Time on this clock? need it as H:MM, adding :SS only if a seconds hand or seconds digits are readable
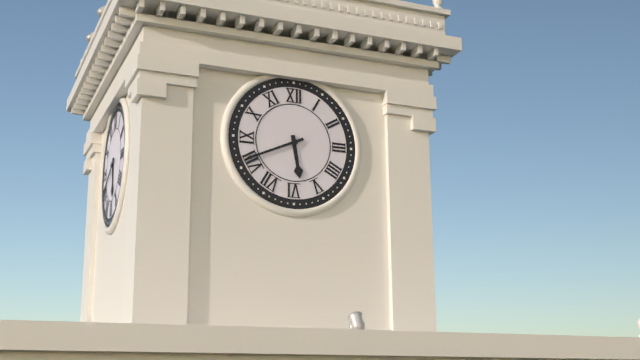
5:41
